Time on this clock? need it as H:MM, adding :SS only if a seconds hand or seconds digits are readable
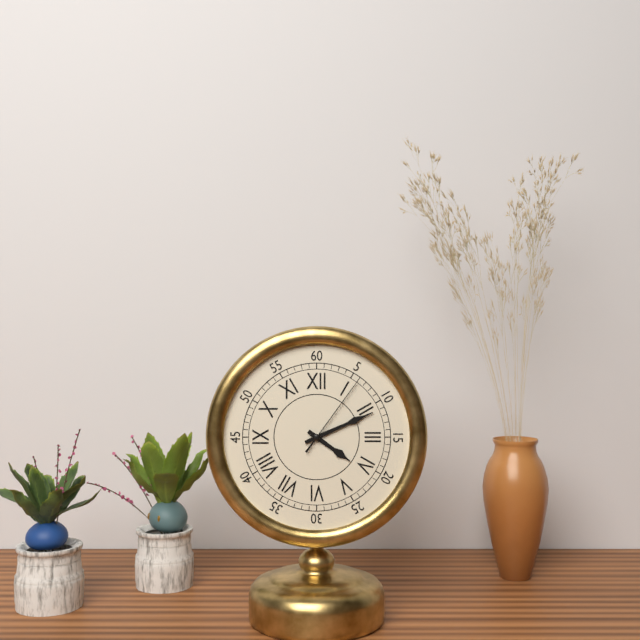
4:11:06
